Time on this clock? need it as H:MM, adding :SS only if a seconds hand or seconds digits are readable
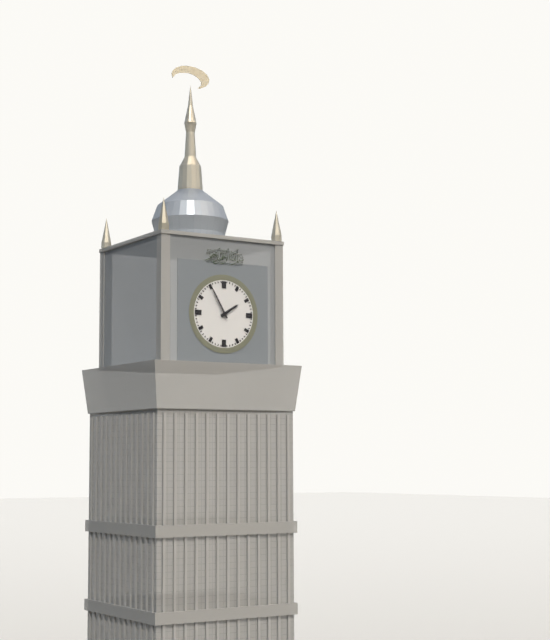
1:55
